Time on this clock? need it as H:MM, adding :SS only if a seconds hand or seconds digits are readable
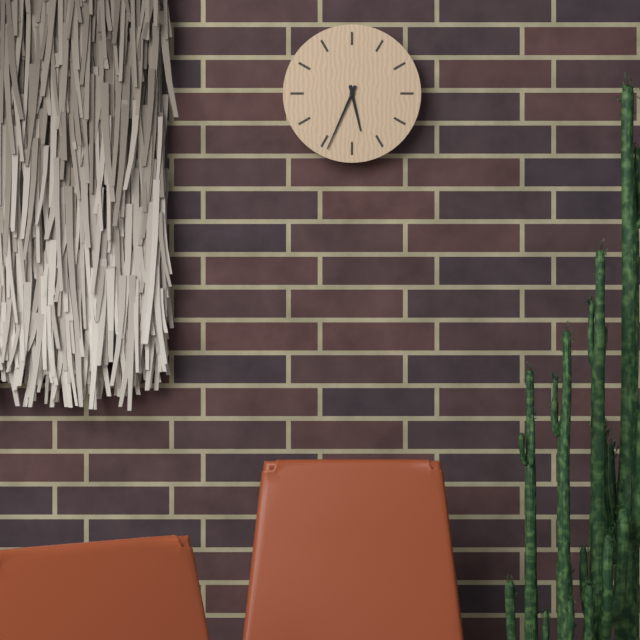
5:34
